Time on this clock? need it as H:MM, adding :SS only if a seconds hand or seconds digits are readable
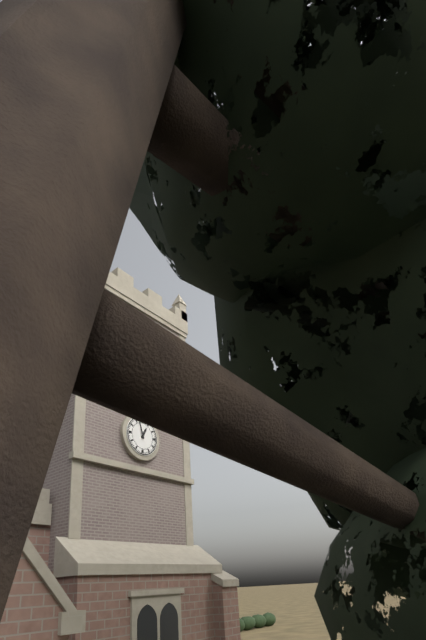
12:57
